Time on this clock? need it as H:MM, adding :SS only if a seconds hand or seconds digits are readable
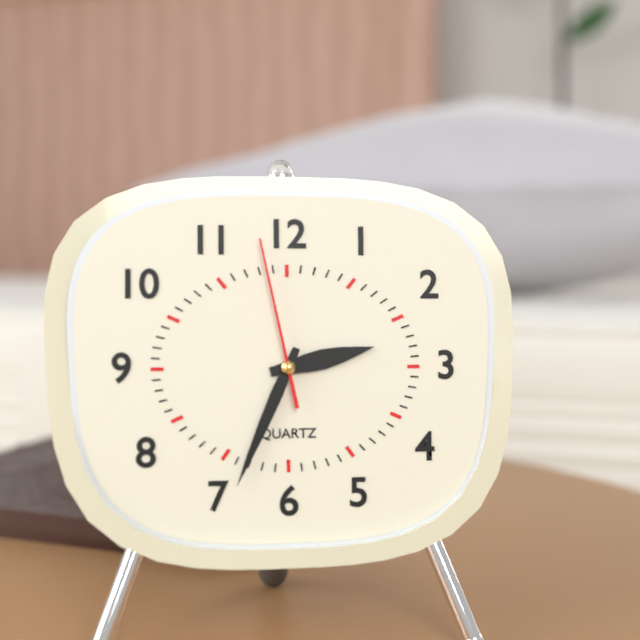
2:34:58
